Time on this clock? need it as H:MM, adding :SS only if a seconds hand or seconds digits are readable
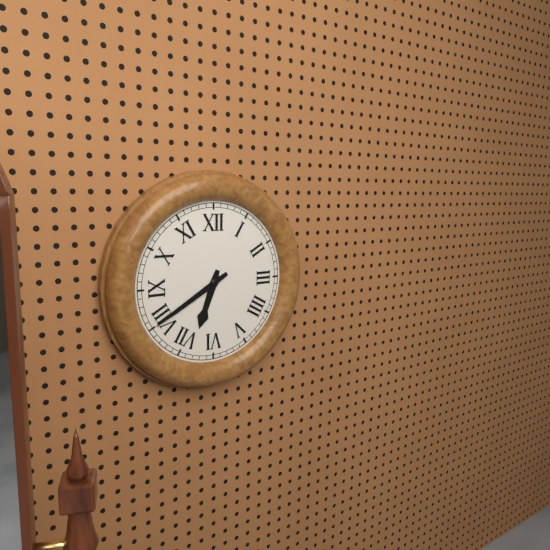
6:40
